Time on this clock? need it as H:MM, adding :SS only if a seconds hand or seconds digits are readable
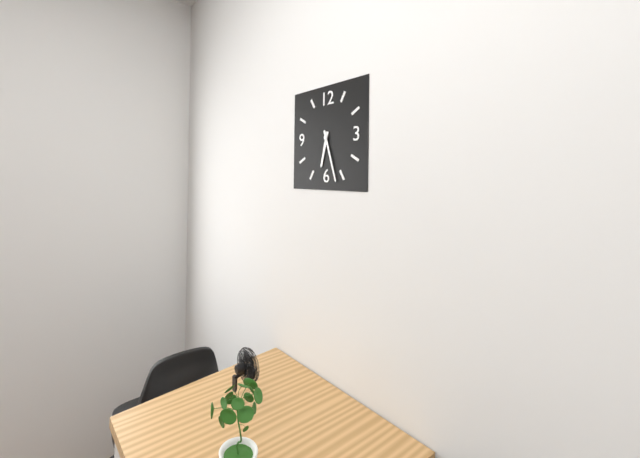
6:27
